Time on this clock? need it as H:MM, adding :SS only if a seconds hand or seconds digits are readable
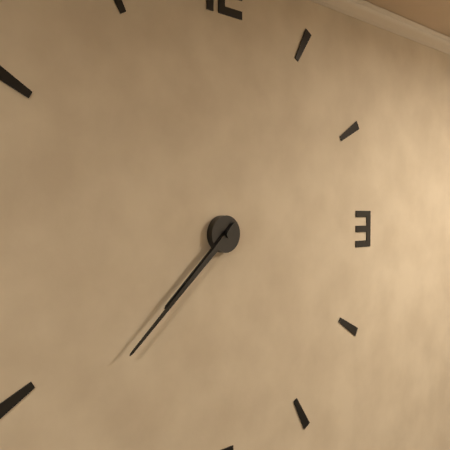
7:38
